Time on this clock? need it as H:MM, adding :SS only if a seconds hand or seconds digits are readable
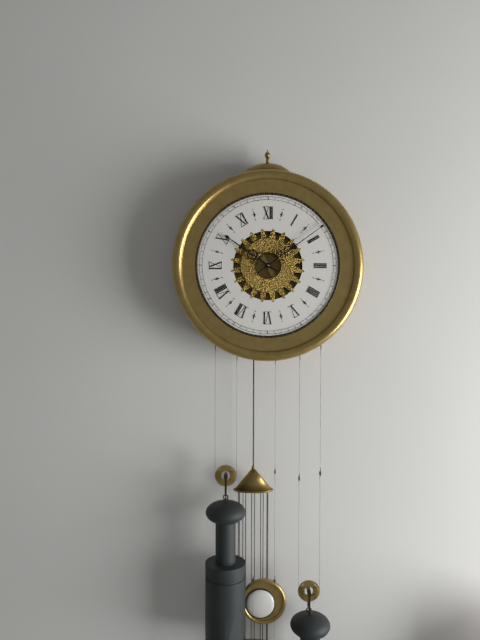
10:09
